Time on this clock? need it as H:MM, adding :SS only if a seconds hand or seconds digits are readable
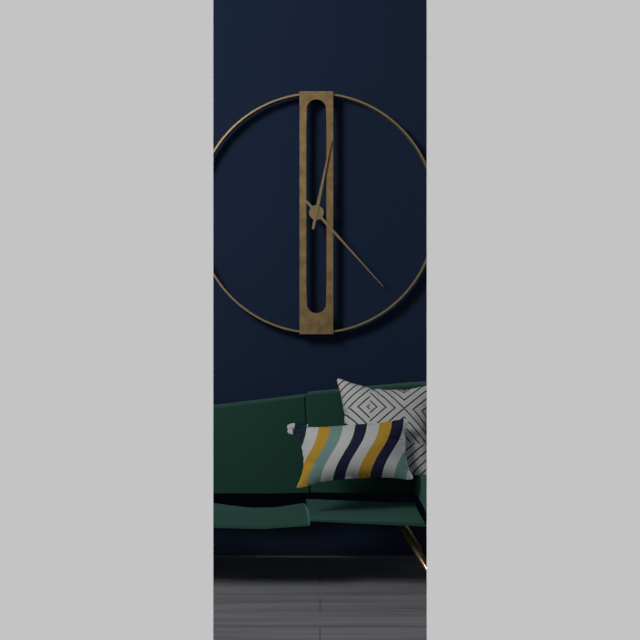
12:23
